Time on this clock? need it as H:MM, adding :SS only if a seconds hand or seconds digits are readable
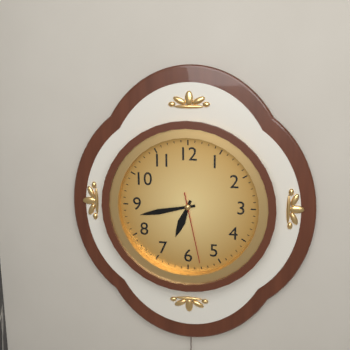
6:43:28
